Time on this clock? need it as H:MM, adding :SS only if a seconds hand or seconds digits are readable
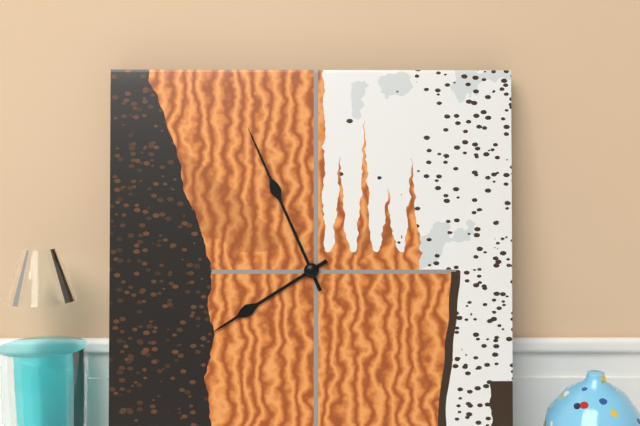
7:56
